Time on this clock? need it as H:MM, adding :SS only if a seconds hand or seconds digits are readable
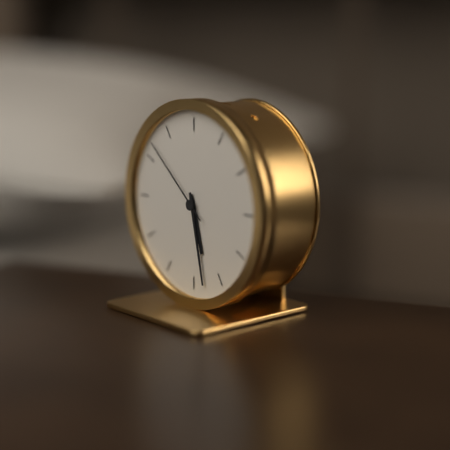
5:28:52
